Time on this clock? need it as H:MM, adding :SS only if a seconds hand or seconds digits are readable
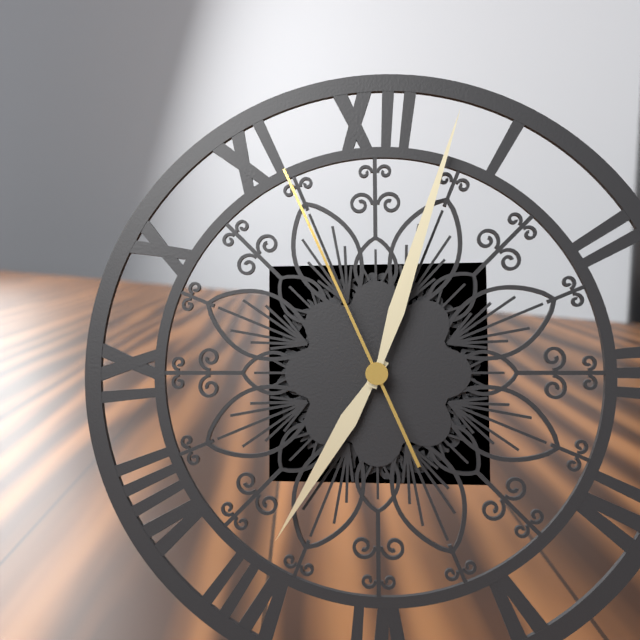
7:03:56
